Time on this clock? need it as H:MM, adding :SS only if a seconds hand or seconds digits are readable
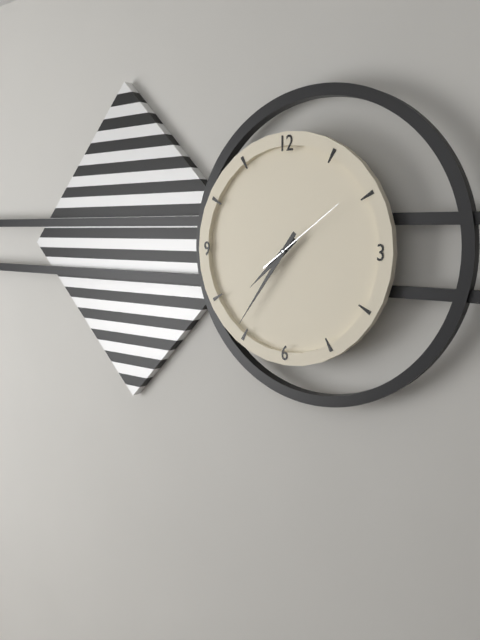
7:36:09
